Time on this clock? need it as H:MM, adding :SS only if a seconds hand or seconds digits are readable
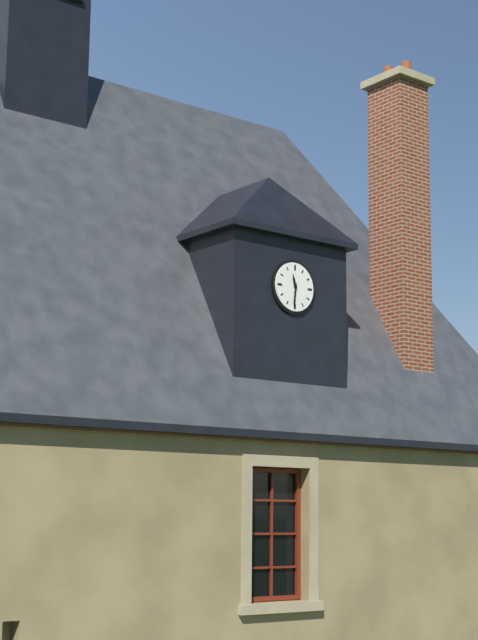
11:31
